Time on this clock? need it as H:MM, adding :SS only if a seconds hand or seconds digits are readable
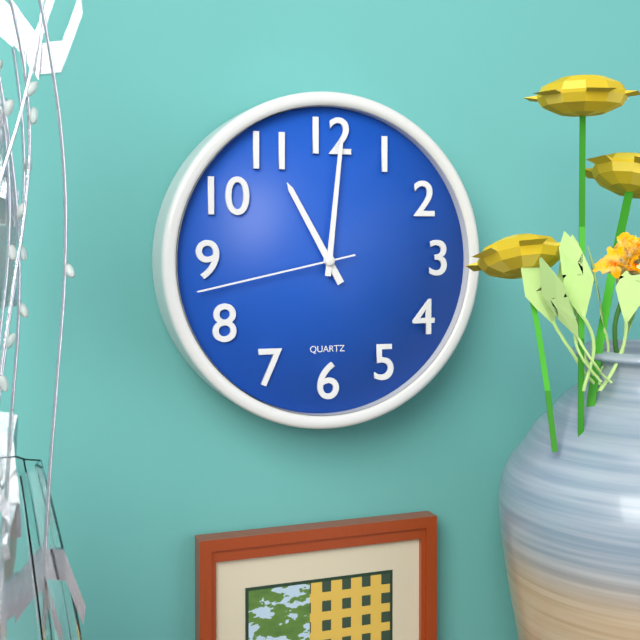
11:01:43
